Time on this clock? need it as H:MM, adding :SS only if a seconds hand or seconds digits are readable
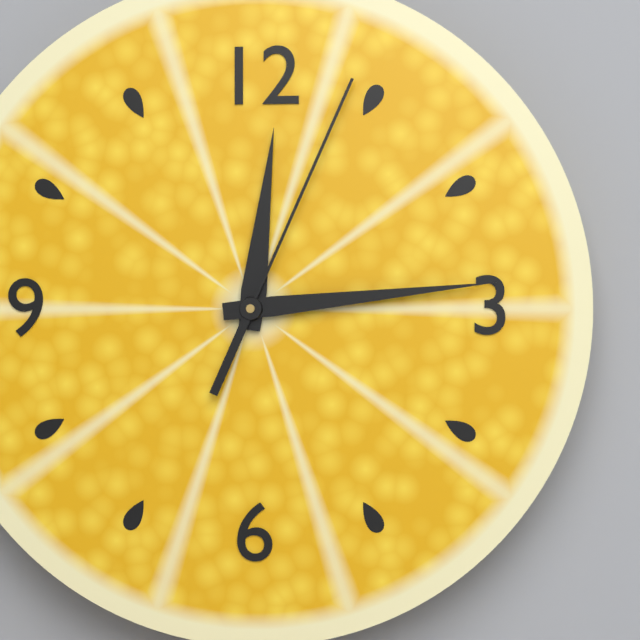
12:14:04
